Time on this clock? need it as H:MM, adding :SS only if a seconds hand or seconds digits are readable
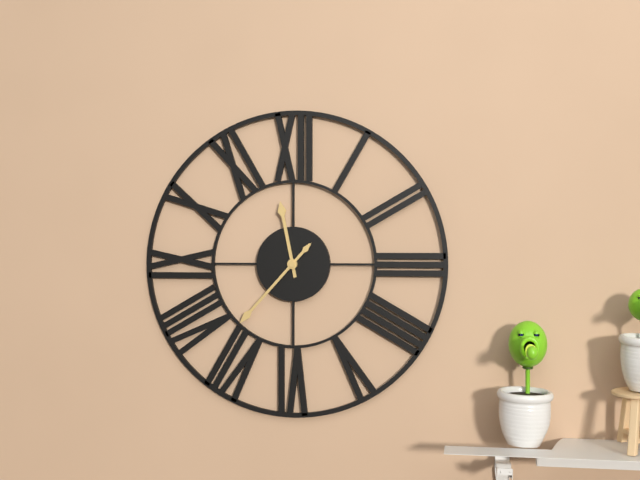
11:37
